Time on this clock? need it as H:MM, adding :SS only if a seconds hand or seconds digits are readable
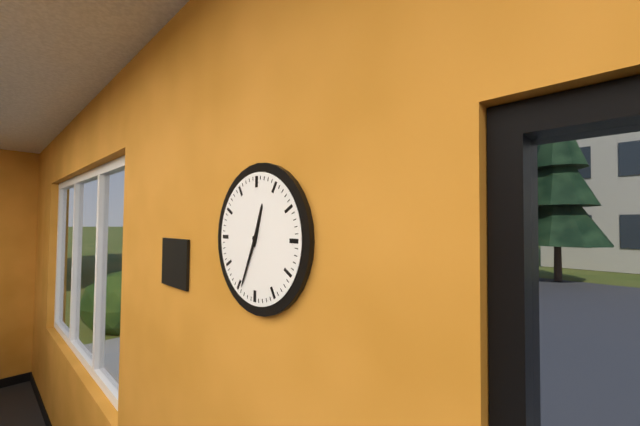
12:34
